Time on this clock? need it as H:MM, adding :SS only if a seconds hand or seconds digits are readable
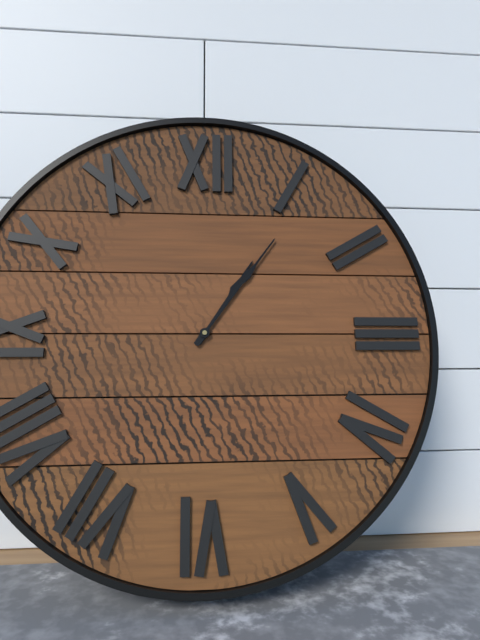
1:06
